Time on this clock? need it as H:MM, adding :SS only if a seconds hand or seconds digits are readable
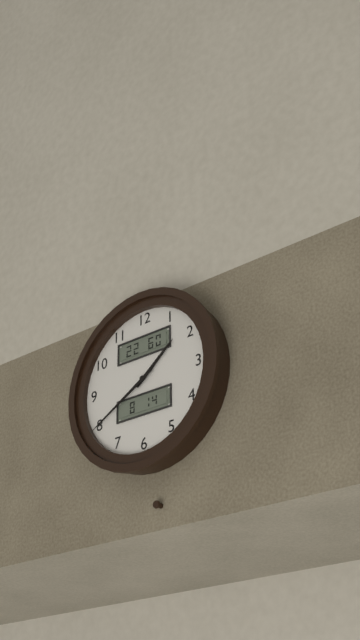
1:40
